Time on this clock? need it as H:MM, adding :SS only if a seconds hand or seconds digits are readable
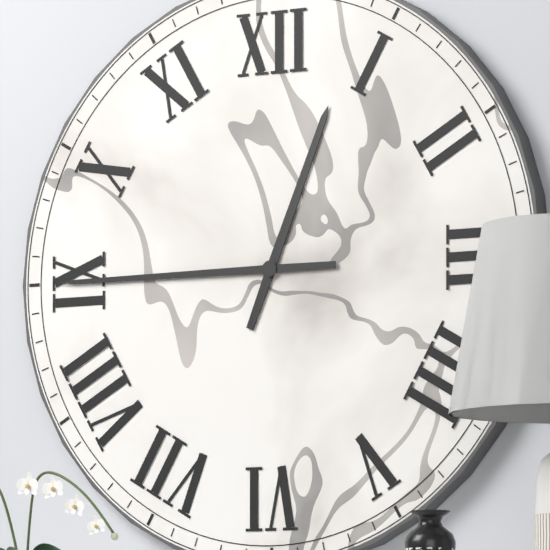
12:45
